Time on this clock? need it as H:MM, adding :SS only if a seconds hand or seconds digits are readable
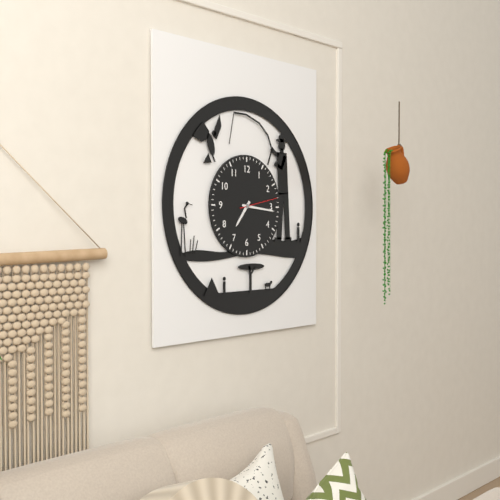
7:16
